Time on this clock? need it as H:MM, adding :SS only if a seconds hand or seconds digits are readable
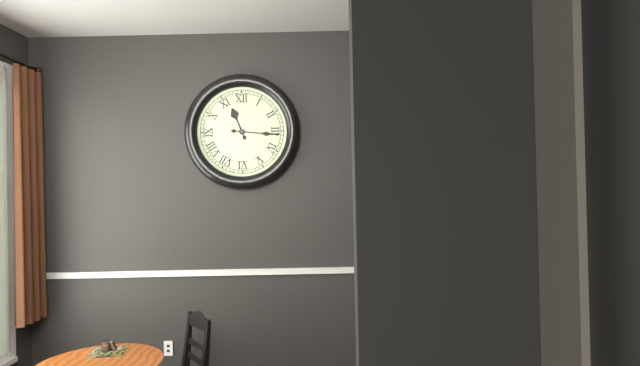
11:16
